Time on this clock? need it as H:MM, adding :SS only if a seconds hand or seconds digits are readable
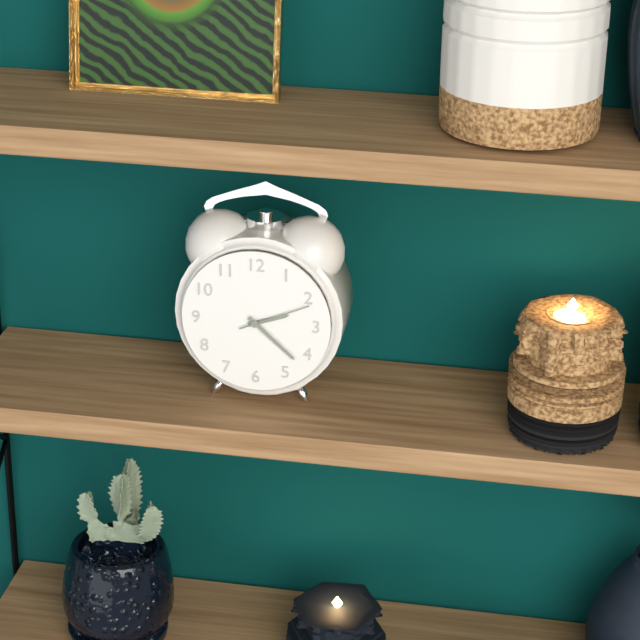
2:22:11
